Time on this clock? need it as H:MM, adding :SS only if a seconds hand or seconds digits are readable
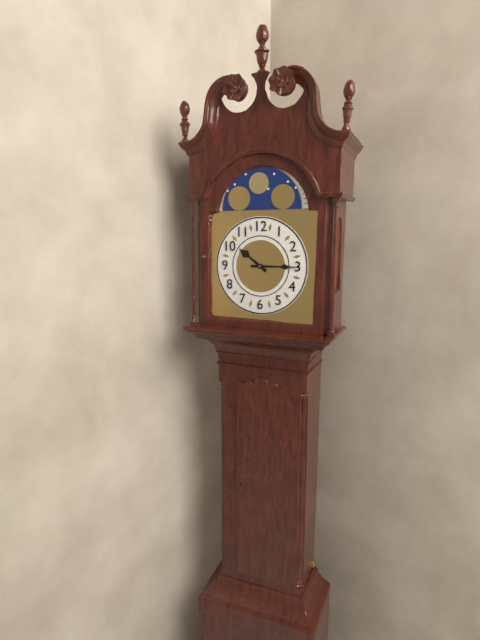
10:15
